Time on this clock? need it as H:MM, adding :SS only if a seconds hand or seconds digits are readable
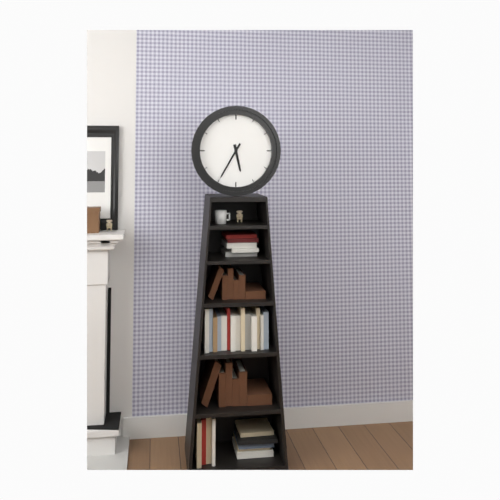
5:35
